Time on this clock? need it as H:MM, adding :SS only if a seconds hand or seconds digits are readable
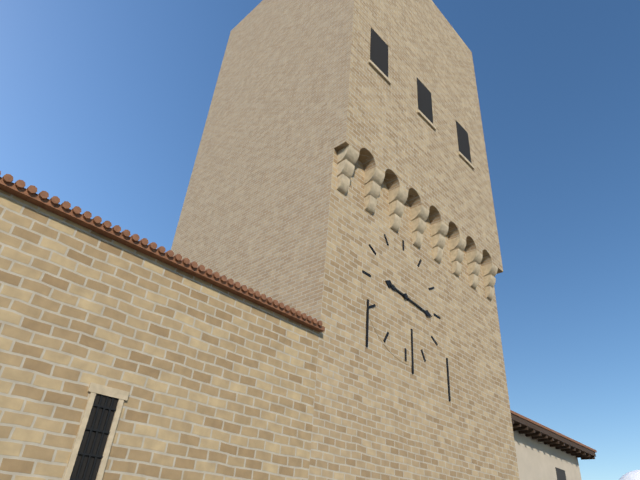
9:16
